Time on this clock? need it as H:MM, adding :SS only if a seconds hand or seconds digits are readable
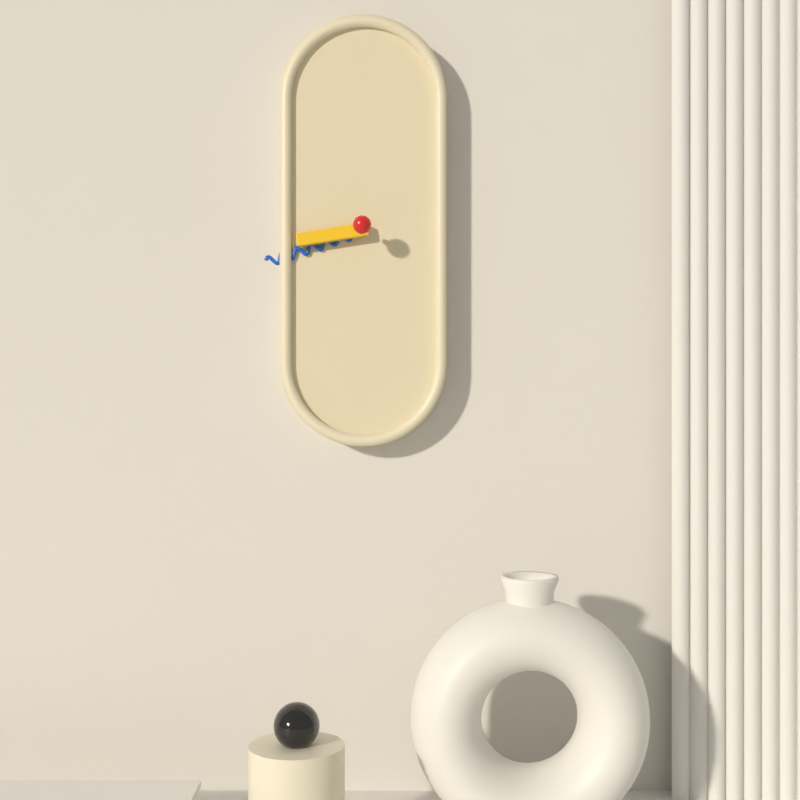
8:42
